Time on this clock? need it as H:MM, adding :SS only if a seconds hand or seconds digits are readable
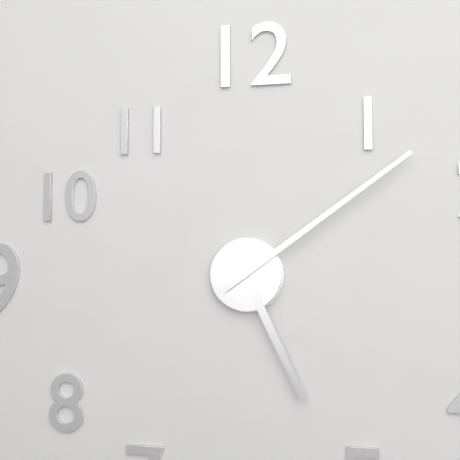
5:09
